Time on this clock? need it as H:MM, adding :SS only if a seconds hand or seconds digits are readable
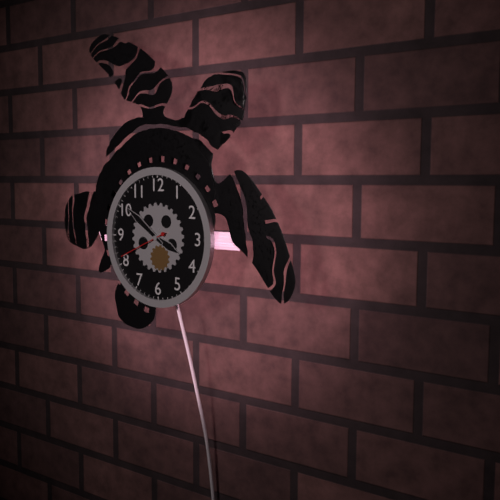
3:51:41
